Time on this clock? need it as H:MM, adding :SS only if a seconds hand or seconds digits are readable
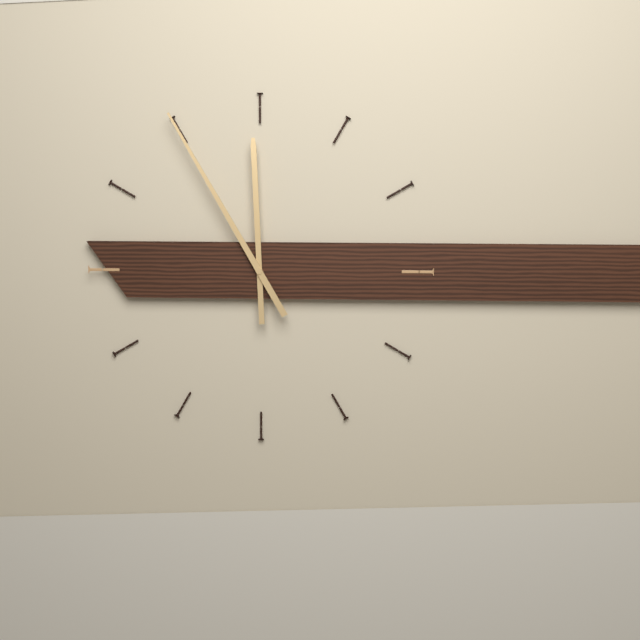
11:55
